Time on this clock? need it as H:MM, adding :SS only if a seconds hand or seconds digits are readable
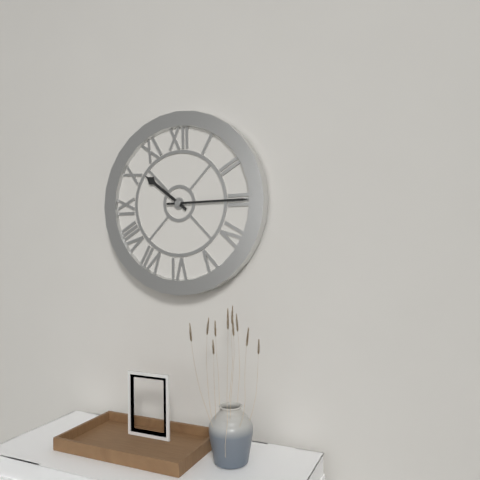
10:15
